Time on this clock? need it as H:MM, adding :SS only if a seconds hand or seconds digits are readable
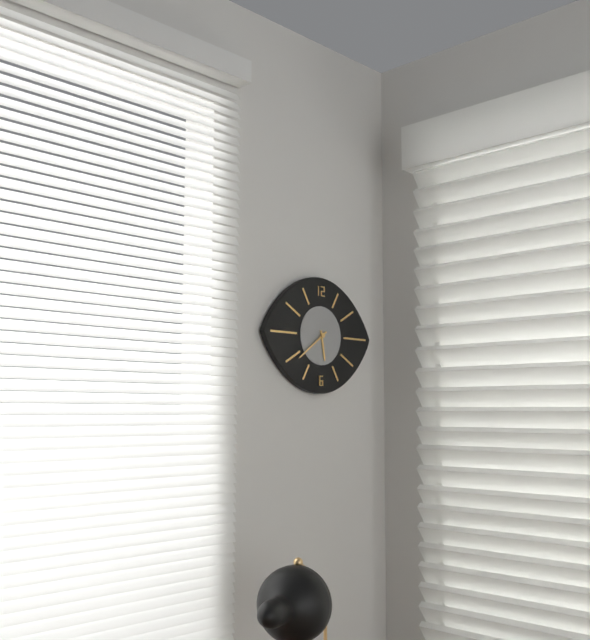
5:39
